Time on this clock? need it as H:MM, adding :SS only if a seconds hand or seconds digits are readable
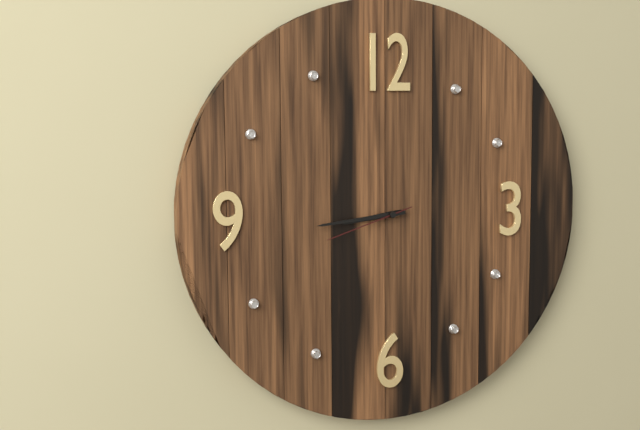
8:44:42
